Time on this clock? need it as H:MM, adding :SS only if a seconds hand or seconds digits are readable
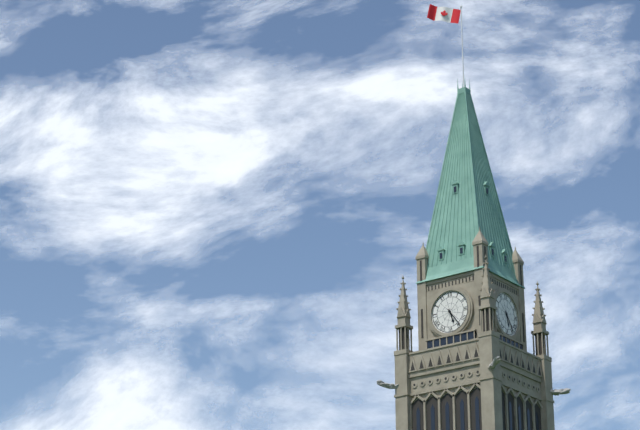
5:24
